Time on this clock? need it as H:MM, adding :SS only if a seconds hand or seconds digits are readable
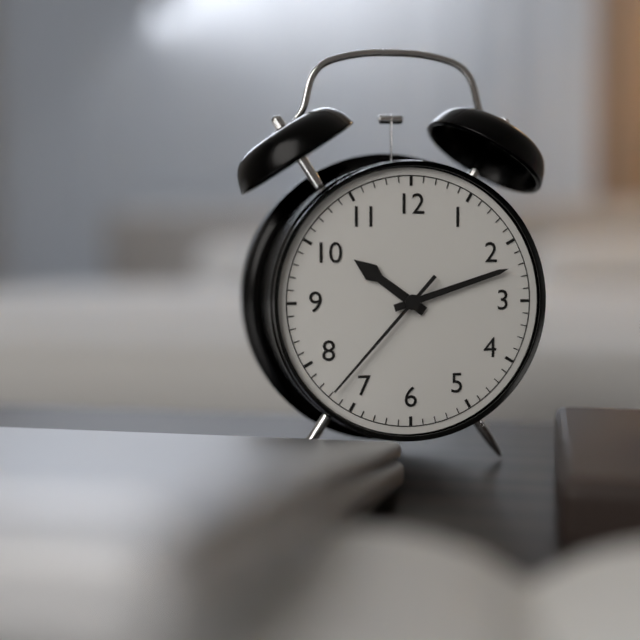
10:12:37
